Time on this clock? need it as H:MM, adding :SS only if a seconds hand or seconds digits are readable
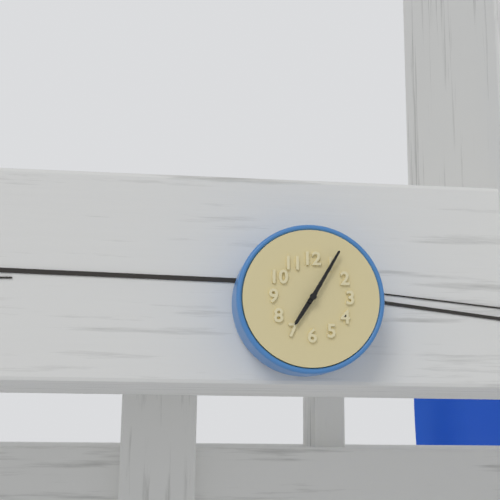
7:05
